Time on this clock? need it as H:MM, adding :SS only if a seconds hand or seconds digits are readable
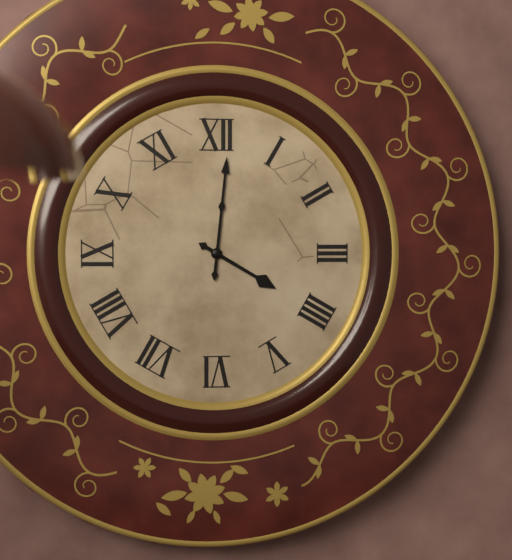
4:01
